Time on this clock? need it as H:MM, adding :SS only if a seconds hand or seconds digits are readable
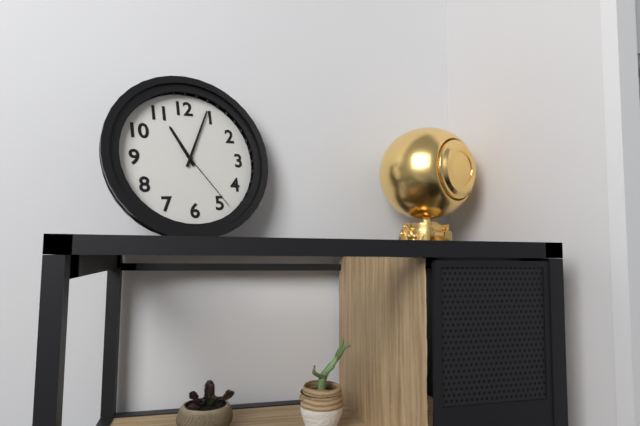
11:04:24
